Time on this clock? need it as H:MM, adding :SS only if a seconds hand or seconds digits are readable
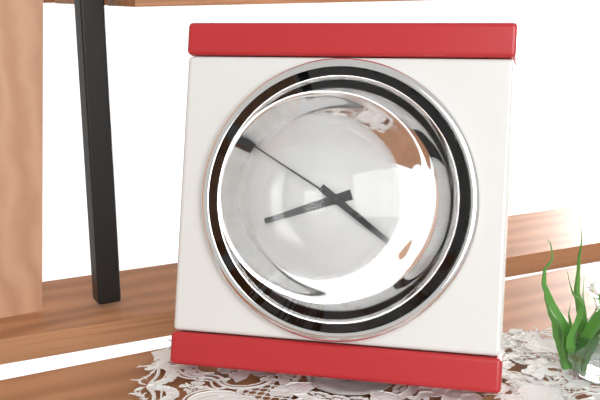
8:21:50
